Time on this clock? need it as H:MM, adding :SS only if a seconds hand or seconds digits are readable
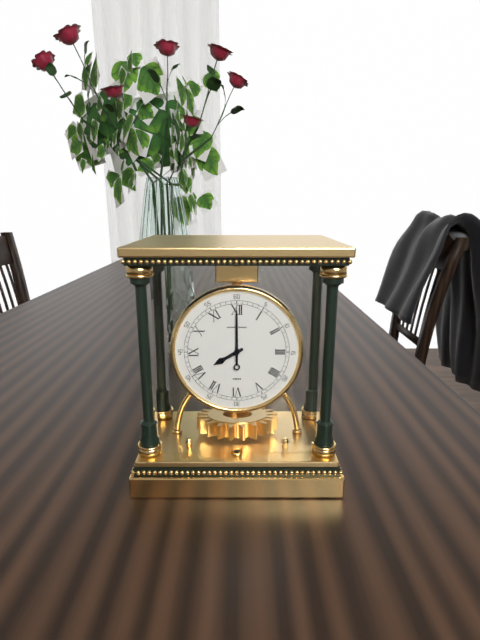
8:00
